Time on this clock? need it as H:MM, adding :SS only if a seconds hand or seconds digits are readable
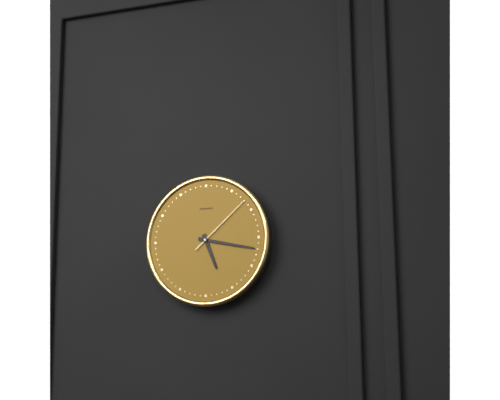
5:17:08
